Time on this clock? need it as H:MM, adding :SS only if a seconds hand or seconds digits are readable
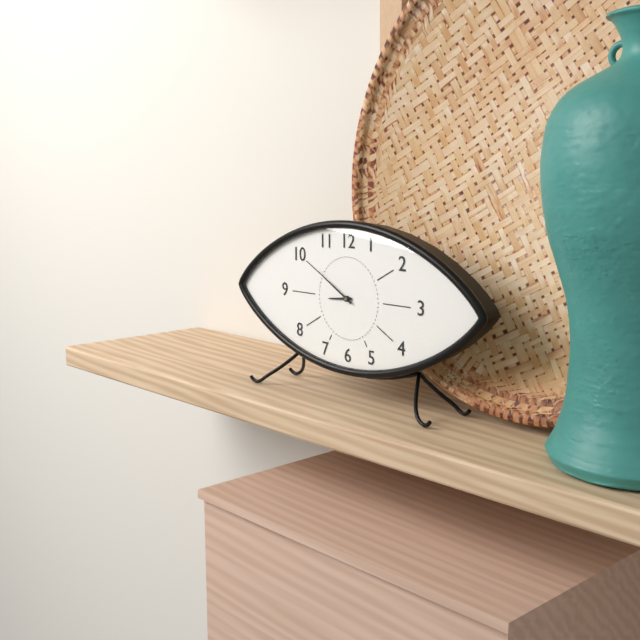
8:50
